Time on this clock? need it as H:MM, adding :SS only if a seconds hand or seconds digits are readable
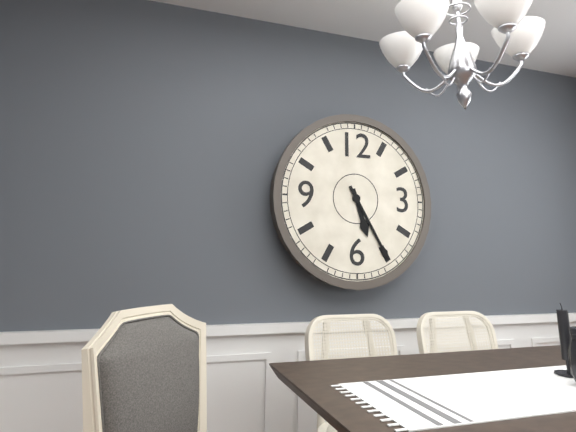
5:25
